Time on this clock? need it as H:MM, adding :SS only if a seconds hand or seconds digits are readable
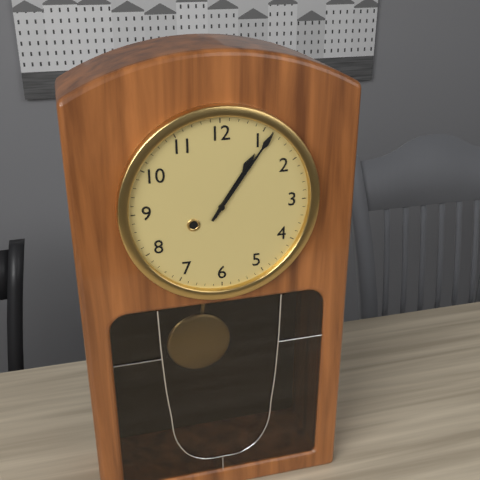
1:06
